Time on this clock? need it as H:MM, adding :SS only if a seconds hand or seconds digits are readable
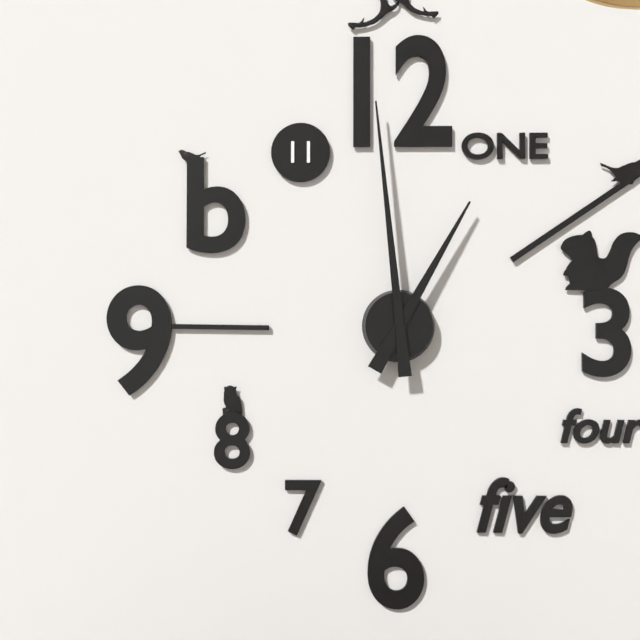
12:59
